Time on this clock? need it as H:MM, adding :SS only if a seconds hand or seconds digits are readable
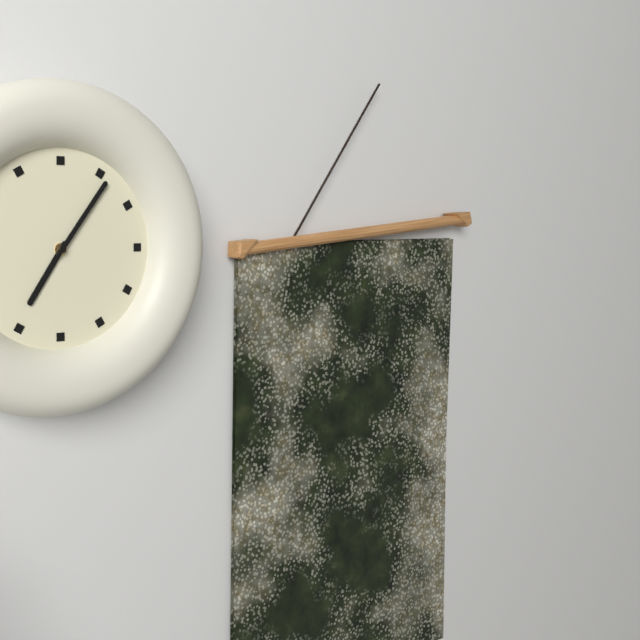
7:06
